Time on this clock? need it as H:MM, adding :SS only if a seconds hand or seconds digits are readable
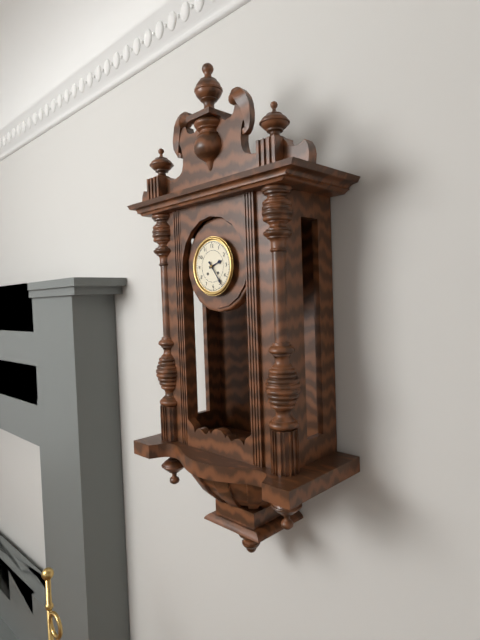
2:24
